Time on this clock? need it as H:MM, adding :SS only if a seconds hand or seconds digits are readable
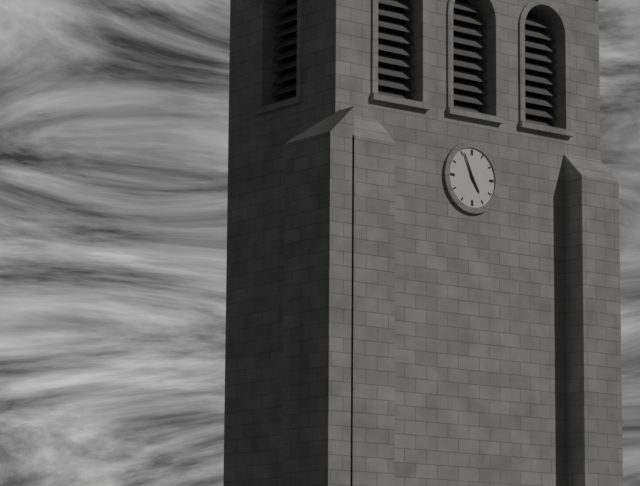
4:56
